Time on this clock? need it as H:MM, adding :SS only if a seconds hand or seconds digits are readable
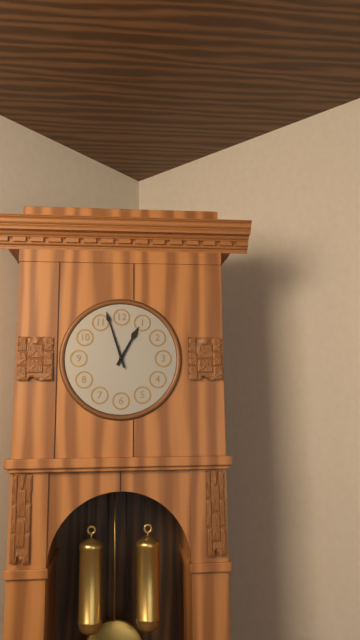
12:57
